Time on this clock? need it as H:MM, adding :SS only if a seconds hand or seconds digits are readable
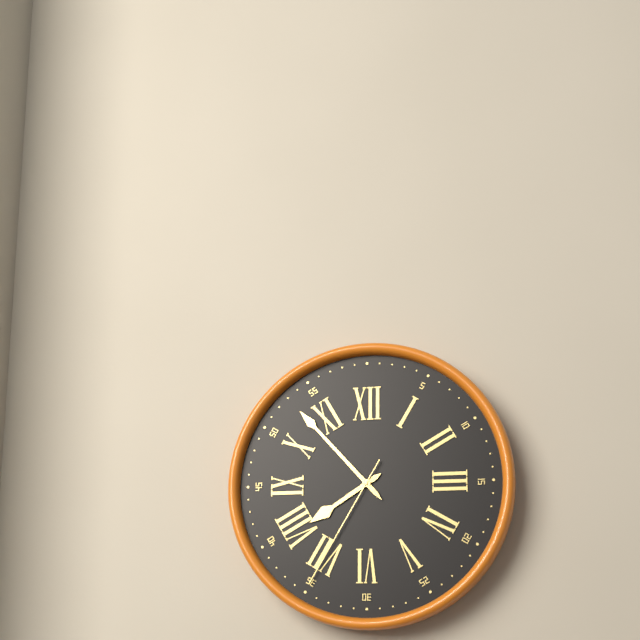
7:53:35
